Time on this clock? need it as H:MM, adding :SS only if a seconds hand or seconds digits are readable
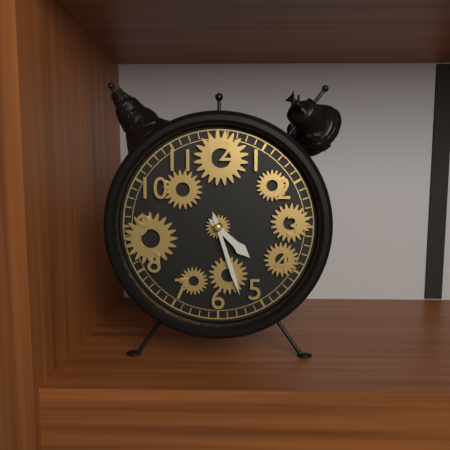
4:27
